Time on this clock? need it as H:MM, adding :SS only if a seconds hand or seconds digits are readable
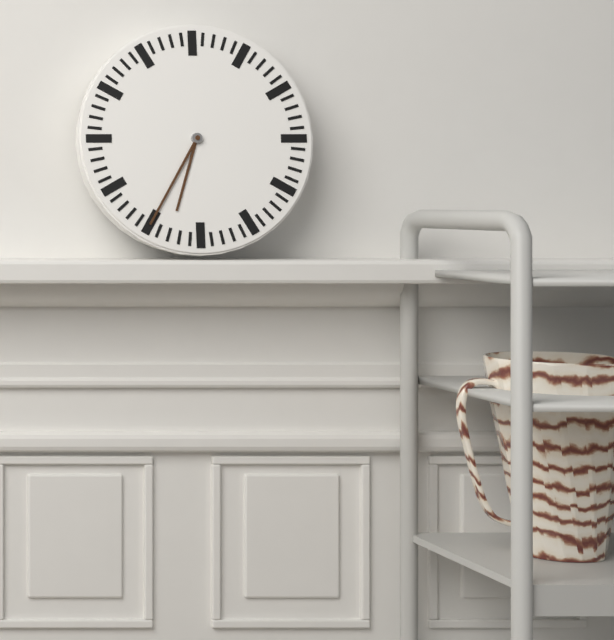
6:35
